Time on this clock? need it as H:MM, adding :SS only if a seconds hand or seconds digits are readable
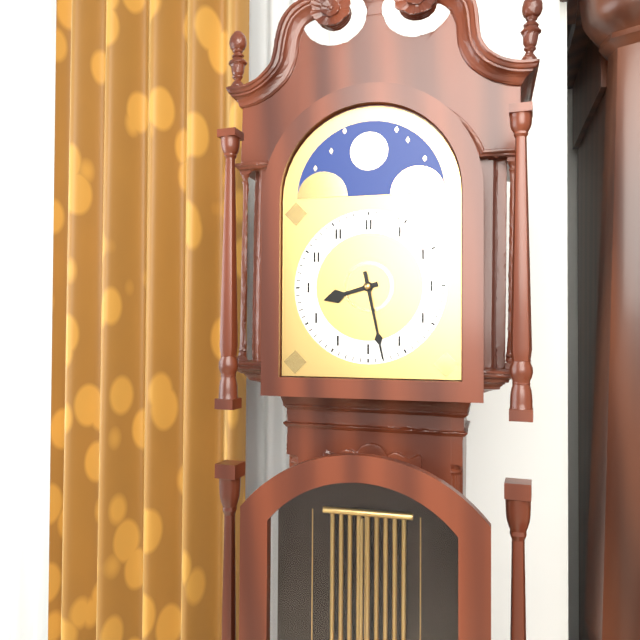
8:28
